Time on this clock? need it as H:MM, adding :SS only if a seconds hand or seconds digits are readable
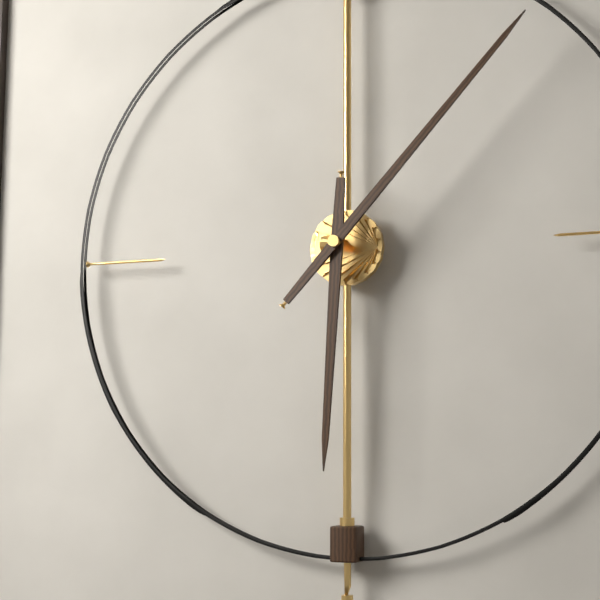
6:07
